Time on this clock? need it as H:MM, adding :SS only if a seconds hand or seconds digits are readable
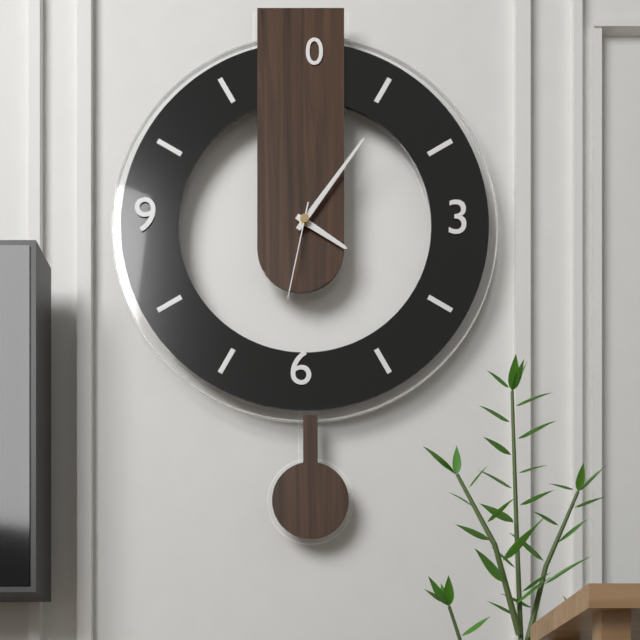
4:06:32
